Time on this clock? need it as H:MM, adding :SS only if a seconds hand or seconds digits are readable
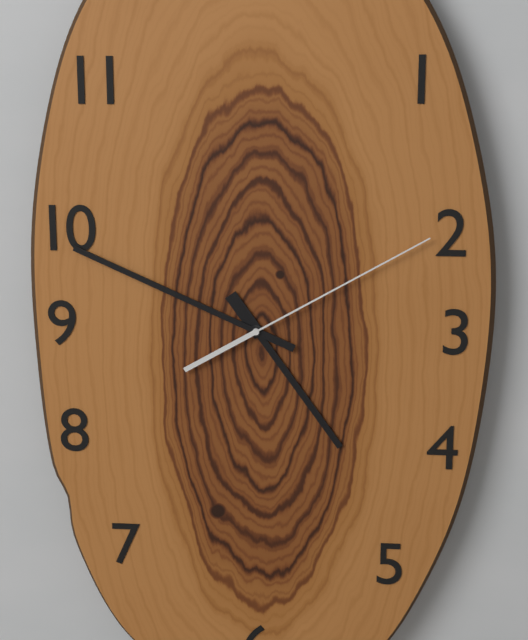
4:49:10
